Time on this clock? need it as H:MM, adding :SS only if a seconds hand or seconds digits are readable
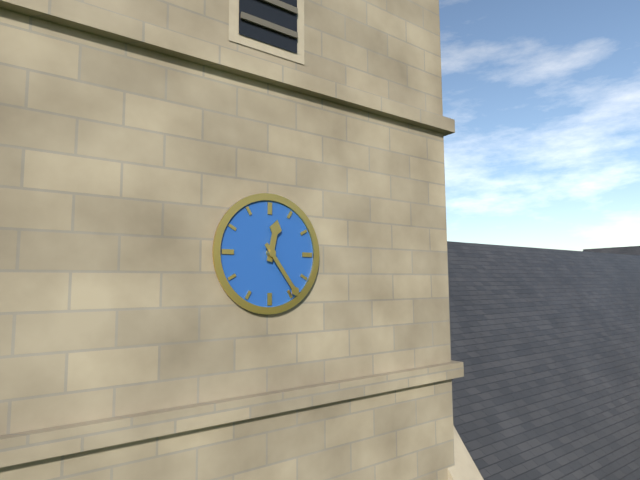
12:24
